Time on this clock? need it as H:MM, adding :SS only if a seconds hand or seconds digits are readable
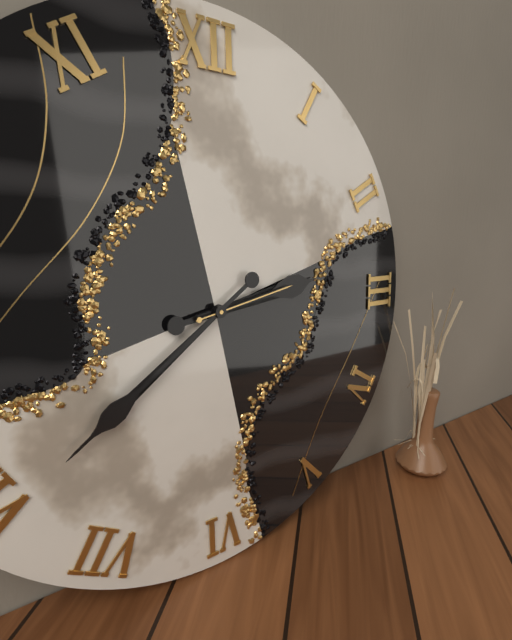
2:39:13
